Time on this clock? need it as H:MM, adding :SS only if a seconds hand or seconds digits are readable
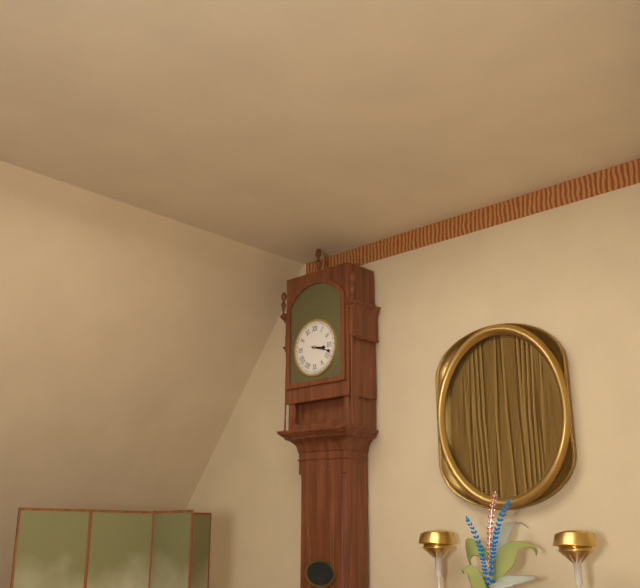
3:18
